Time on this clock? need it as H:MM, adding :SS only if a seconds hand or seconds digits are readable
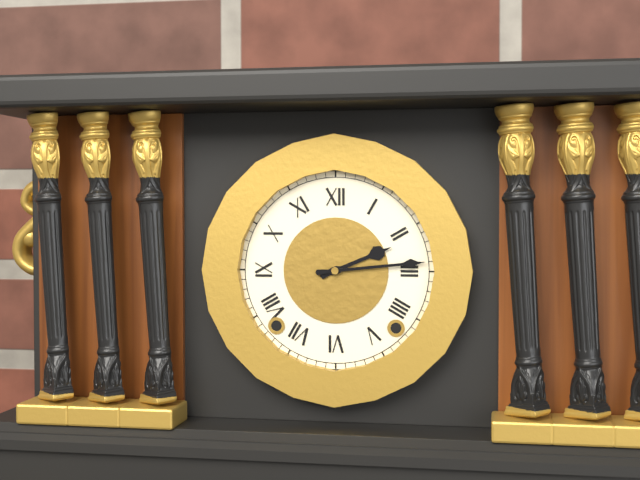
2:14
